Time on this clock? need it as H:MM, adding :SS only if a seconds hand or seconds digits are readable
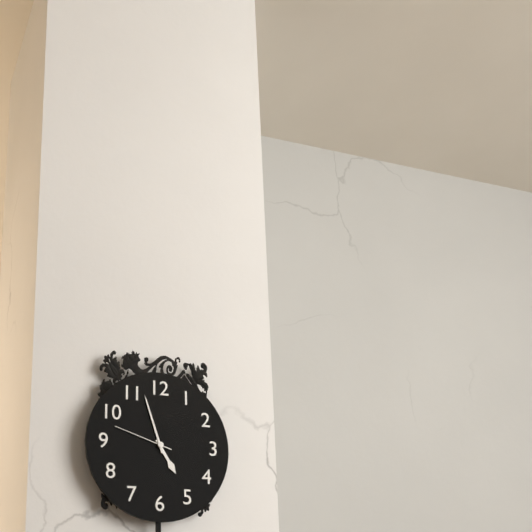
4:57:48
